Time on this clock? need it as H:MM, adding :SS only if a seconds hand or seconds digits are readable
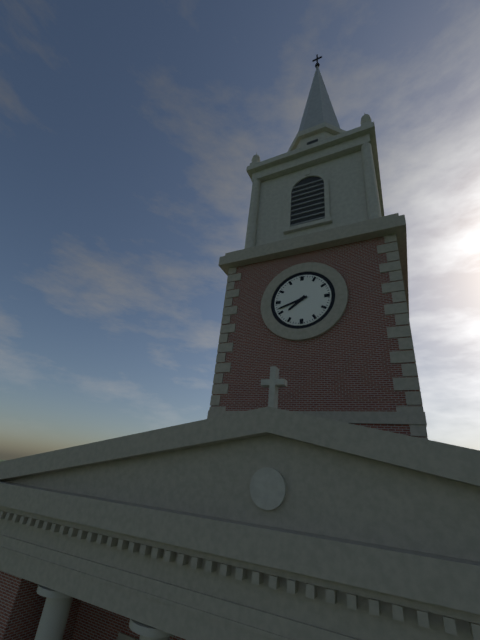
7:42
